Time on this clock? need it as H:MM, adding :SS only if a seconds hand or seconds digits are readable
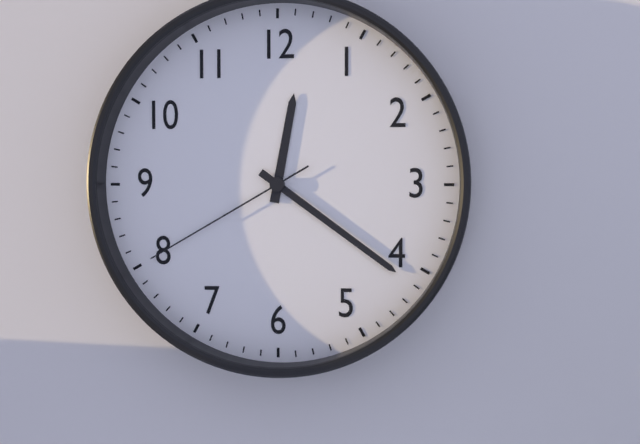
12:21:40
